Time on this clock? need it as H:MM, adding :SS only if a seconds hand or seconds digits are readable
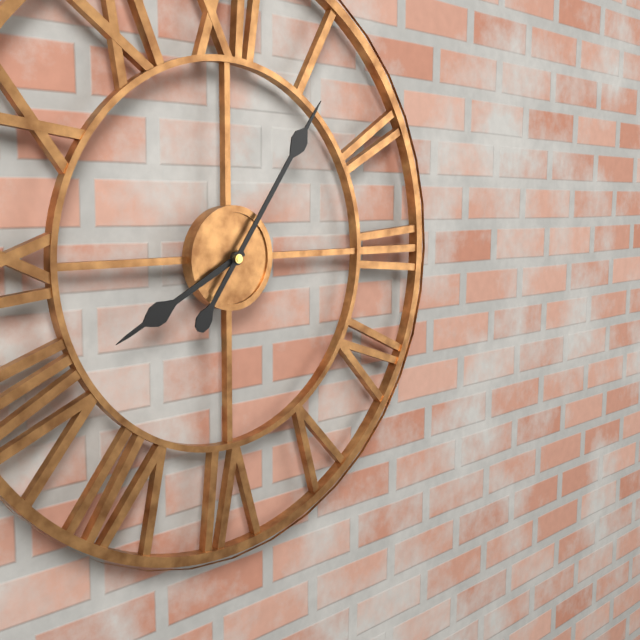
8:06
